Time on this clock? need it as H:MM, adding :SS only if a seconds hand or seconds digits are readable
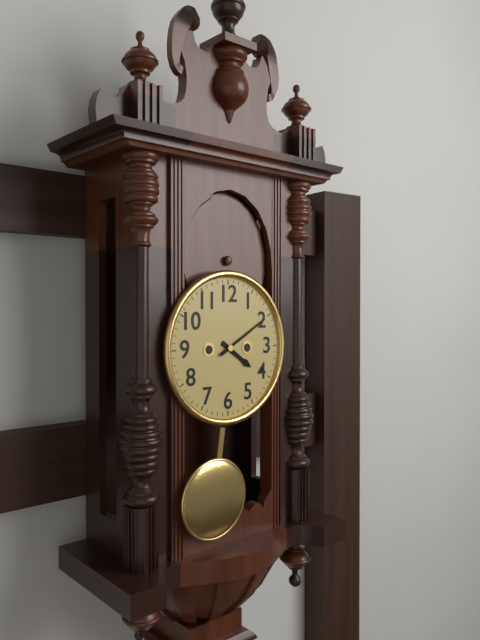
4:10
